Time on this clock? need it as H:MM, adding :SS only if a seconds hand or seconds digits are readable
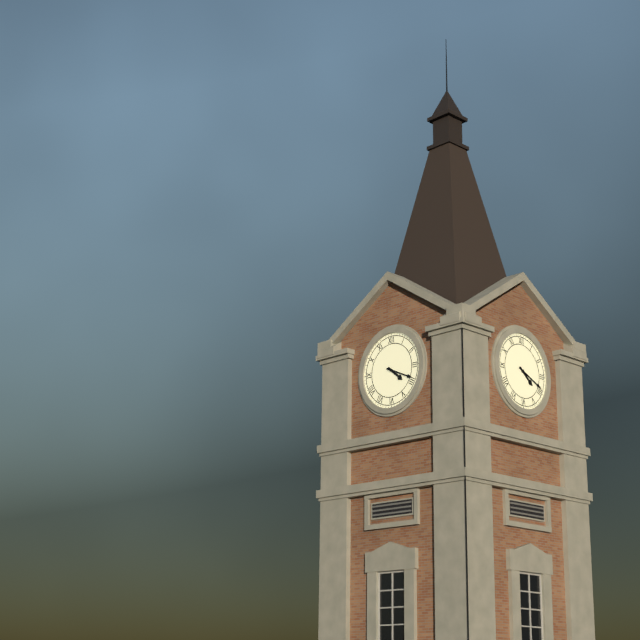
4:19
